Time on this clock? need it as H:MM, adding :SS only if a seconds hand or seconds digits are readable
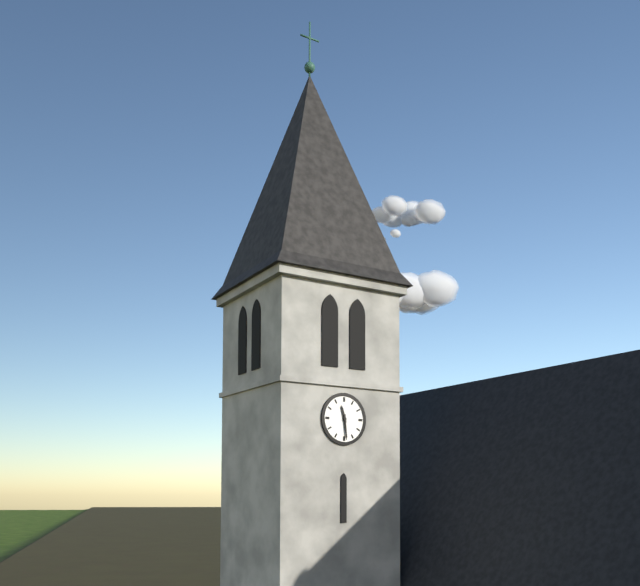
11:29
